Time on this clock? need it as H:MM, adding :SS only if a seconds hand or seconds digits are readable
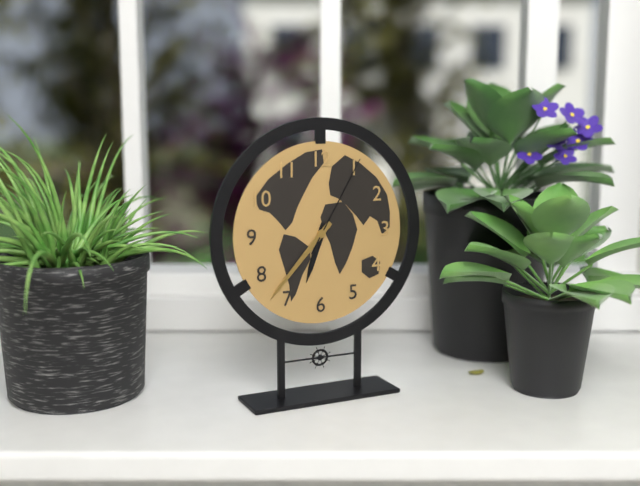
6:37:05
